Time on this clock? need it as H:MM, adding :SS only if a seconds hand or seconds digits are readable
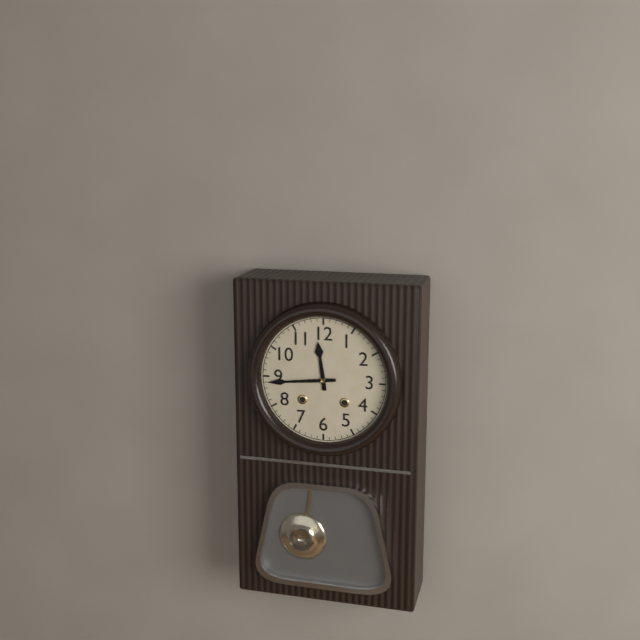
11:44
